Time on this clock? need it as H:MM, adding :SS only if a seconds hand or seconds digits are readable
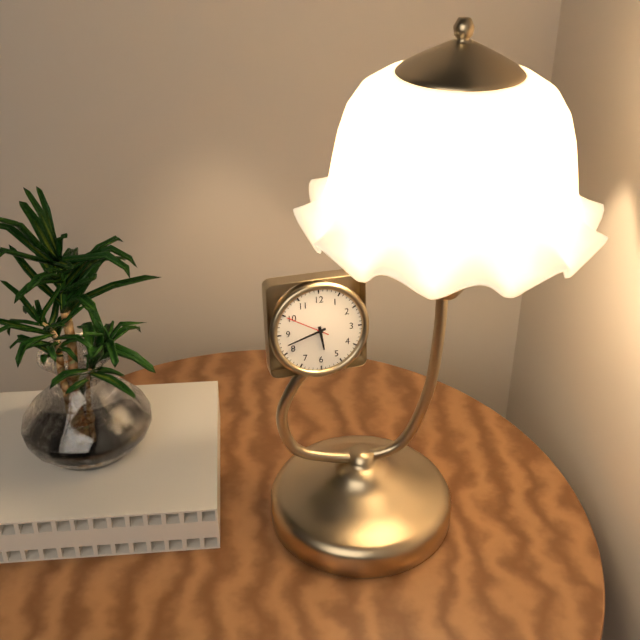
5:42
